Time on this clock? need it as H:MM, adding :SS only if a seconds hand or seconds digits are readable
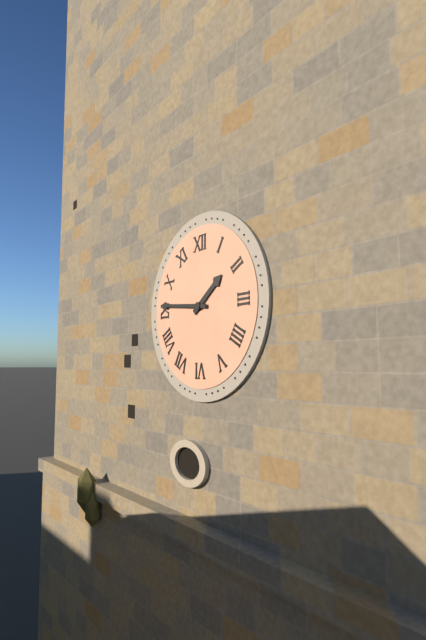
1:46
